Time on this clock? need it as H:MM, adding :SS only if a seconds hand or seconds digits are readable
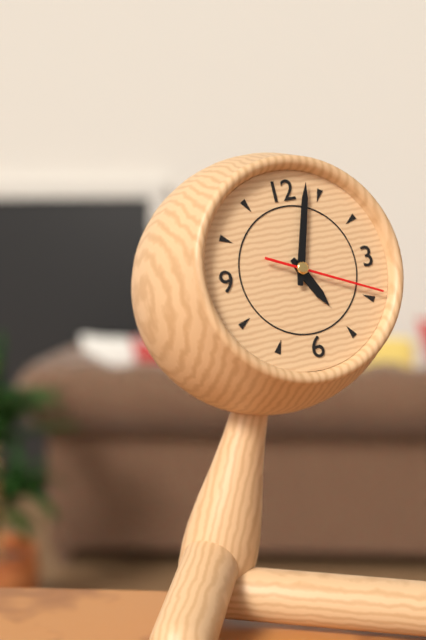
5:03:19
